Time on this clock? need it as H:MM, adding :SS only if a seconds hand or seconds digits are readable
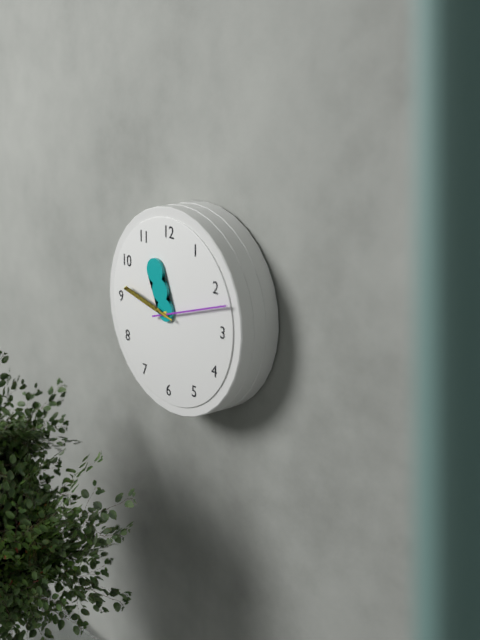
11:12:47
